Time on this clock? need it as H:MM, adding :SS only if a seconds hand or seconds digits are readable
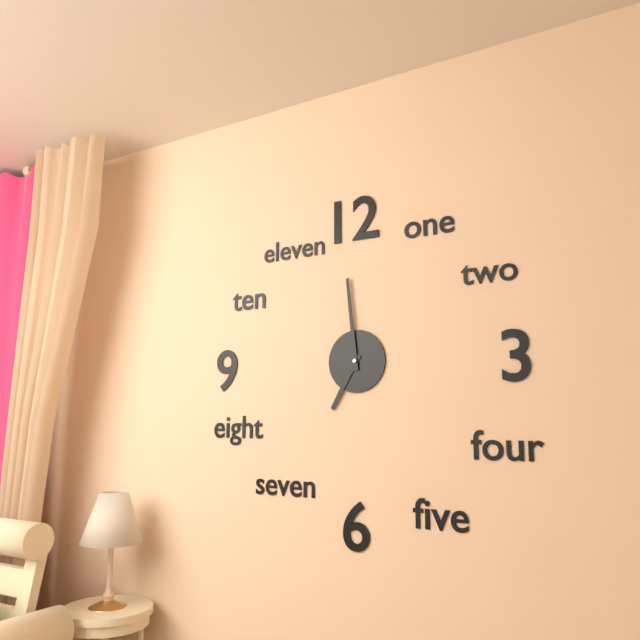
6:59
